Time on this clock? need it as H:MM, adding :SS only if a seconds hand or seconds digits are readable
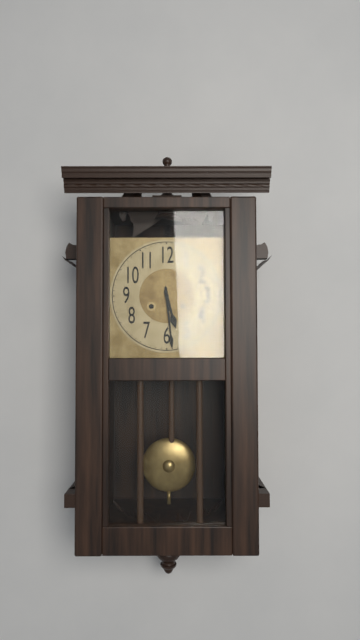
5:29
